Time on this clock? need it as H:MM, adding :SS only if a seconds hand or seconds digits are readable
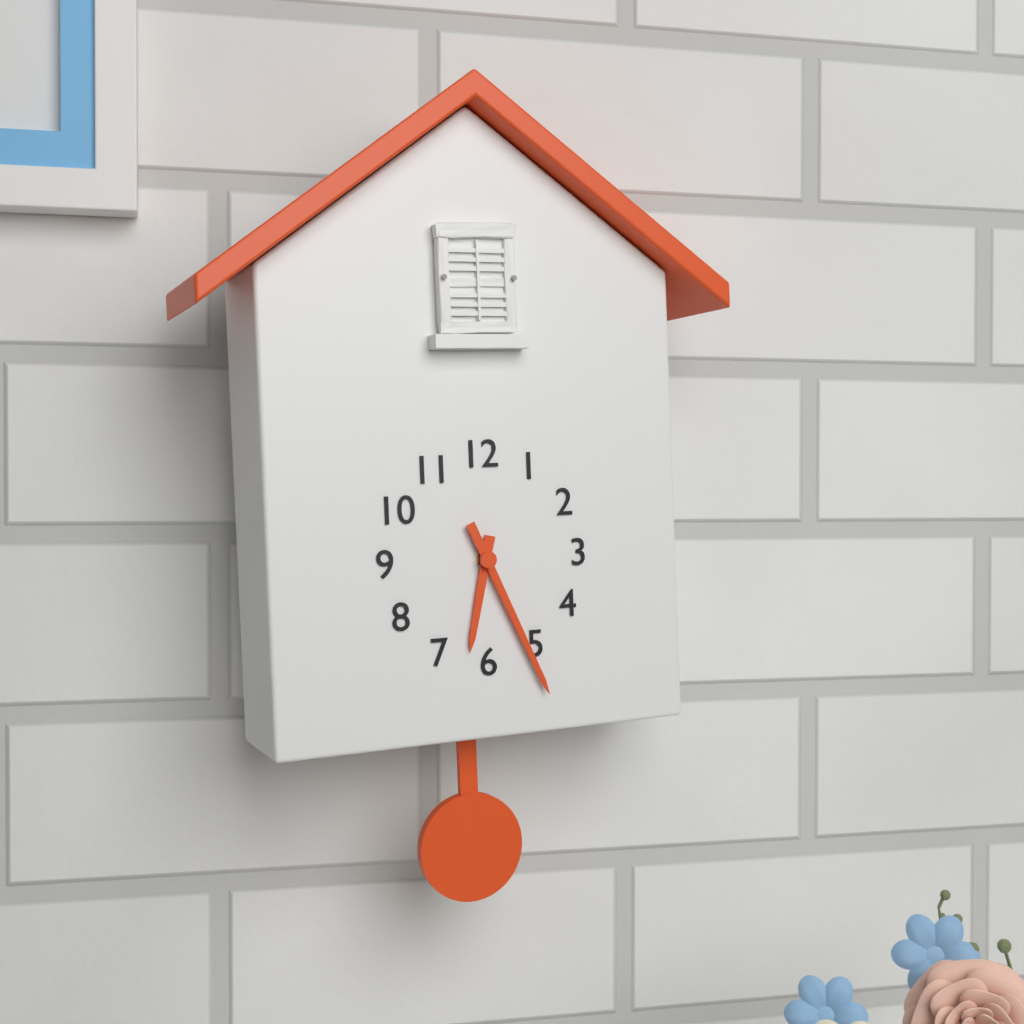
6:26
